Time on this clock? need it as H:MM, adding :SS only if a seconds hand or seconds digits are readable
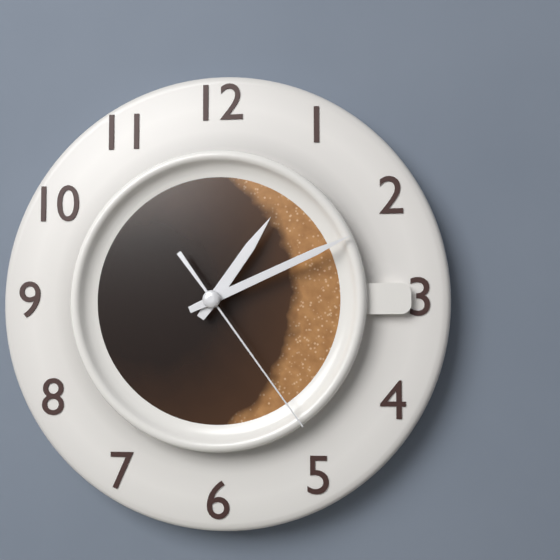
1:11:24
